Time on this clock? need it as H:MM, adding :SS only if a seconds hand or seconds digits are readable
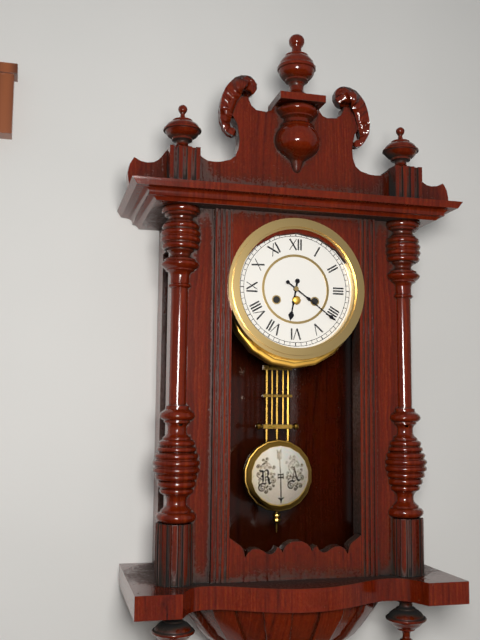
6:21
